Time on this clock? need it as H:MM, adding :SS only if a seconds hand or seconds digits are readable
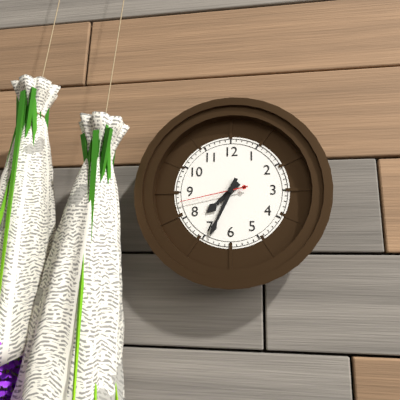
7:34:43
